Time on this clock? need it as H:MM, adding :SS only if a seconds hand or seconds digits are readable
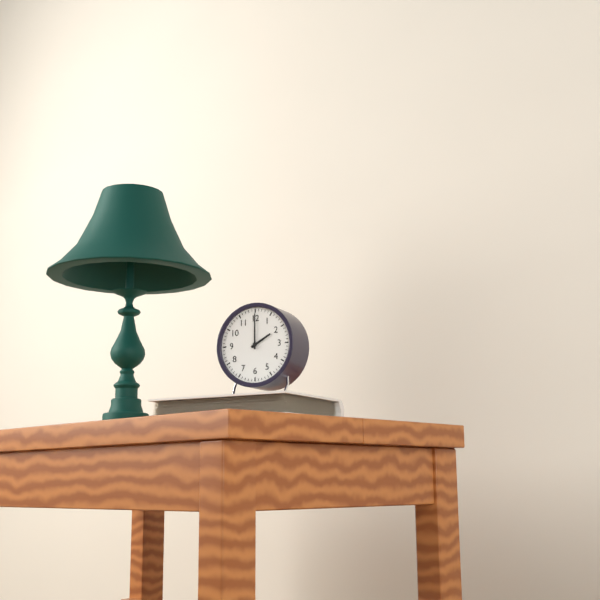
2:00
